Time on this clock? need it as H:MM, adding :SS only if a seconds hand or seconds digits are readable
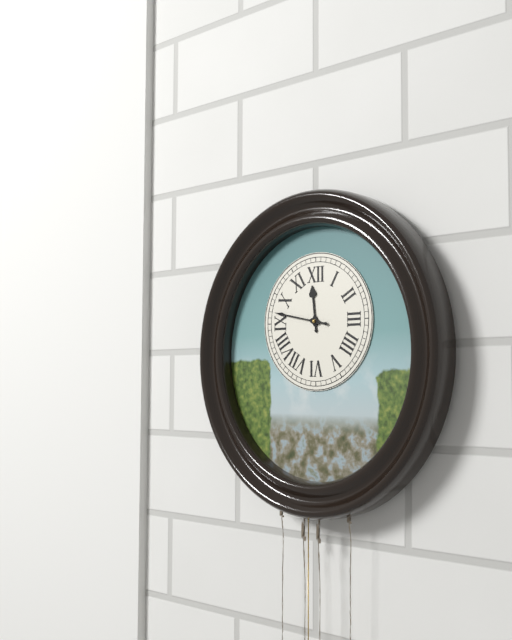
11:47
